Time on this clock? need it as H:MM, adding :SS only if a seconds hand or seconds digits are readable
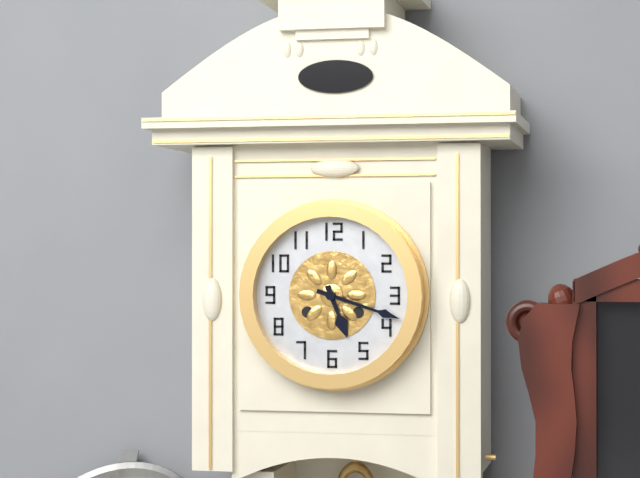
5:18
